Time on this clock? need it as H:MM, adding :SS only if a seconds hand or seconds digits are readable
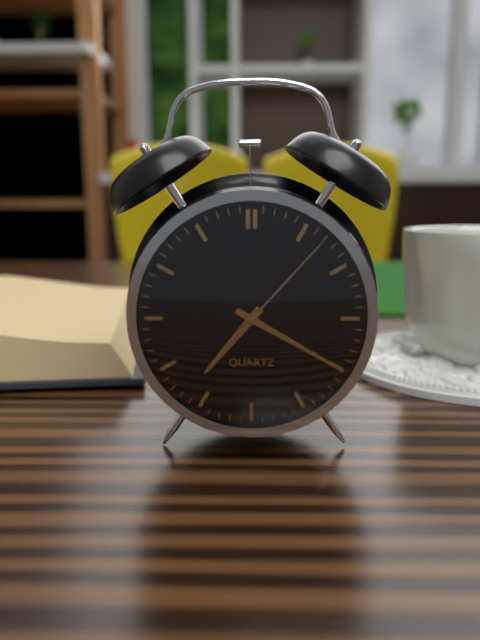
7:20:07
